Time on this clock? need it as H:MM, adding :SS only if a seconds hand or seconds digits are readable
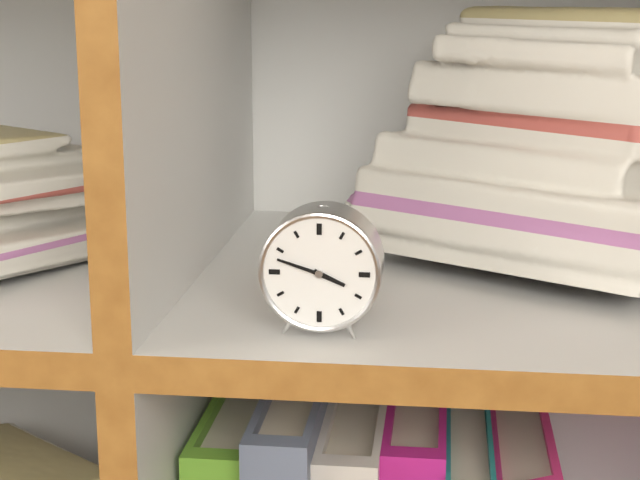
3:48
